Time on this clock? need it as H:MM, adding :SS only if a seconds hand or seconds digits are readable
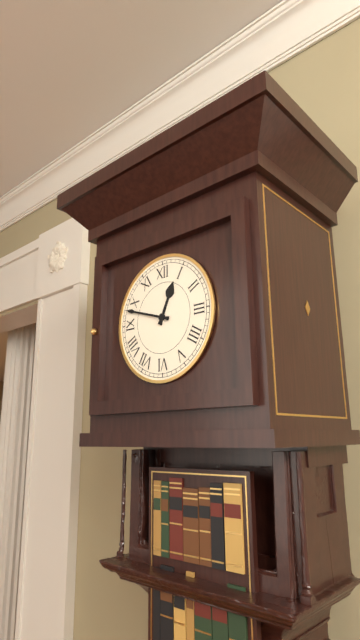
12:48
